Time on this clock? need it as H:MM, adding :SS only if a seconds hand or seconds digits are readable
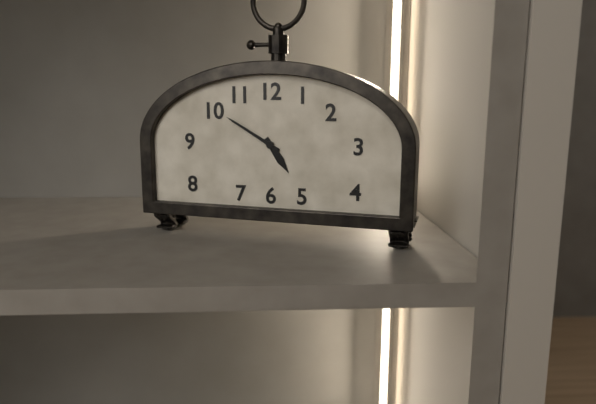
4:50
